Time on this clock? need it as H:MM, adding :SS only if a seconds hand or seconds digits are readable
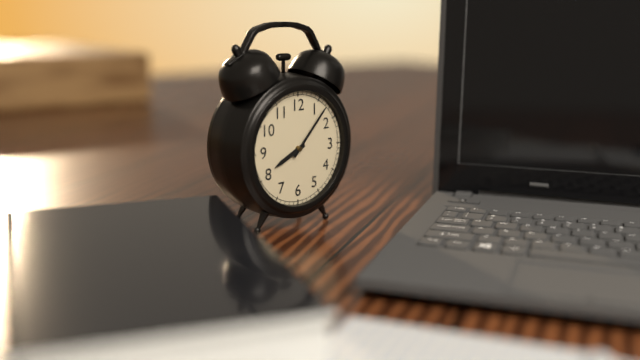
8:07
